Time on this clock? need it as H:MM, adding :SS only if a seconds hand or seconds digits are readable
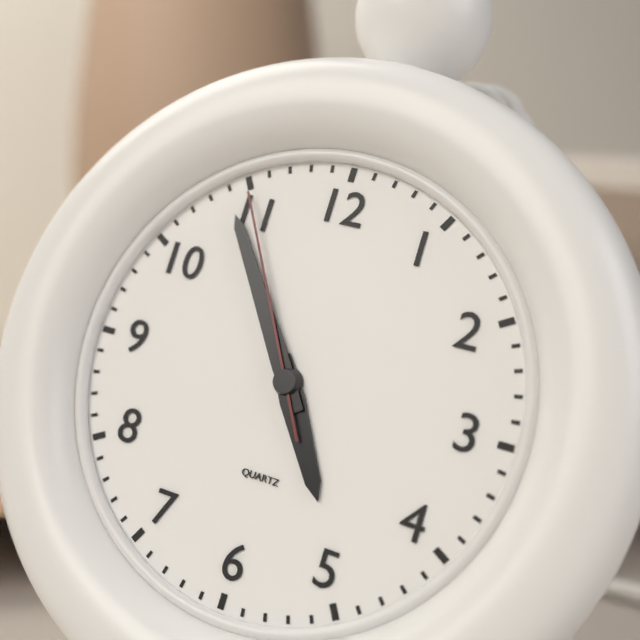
4:54:55
